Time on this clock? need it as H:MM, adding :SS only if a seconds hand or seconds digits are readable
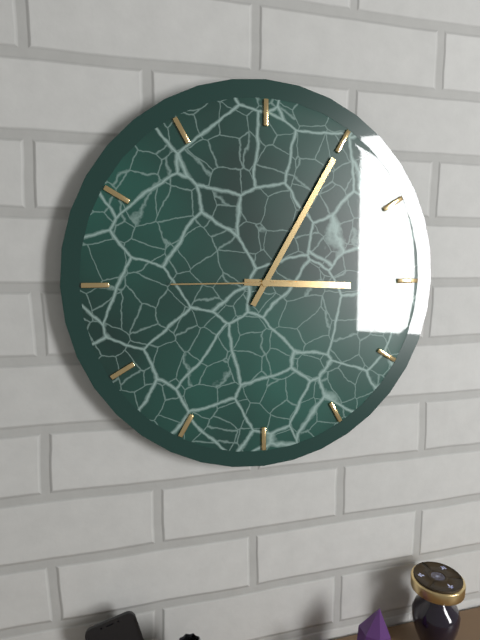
3:05:45
